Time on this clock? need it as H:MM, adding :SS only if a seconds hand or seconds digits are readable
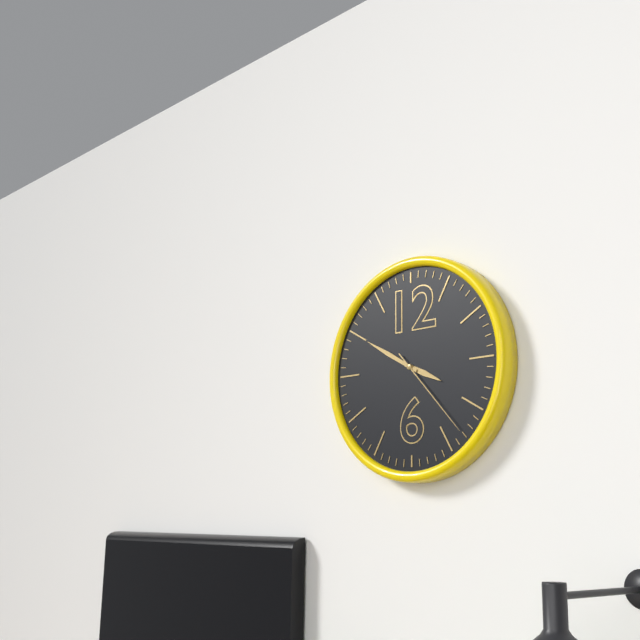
3:50:23
